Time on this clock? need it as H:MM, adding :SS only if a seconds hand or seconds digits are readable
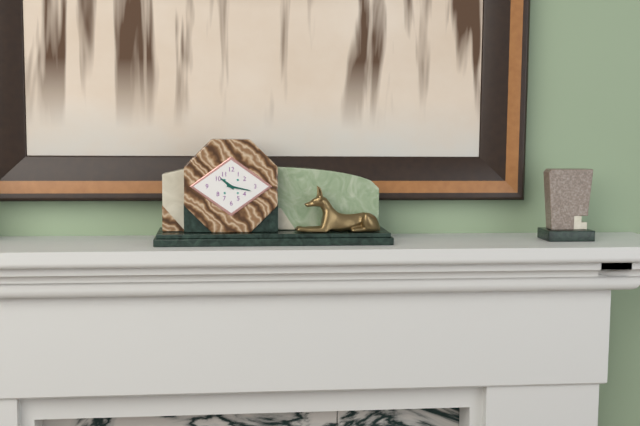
10:17
